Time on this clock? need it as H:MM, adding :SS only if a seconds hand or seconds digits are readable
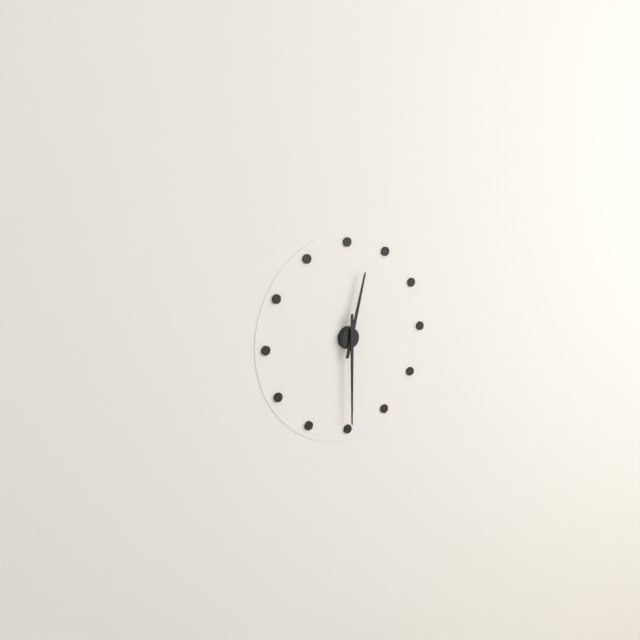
12:30
